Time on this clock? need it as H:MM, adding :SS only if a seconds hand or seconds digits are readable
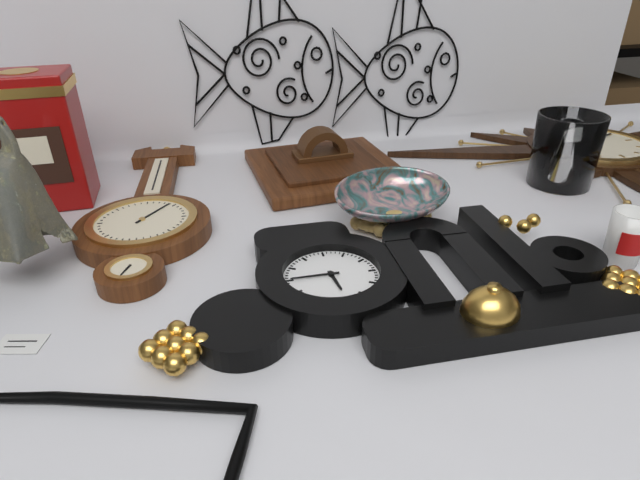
5:45
